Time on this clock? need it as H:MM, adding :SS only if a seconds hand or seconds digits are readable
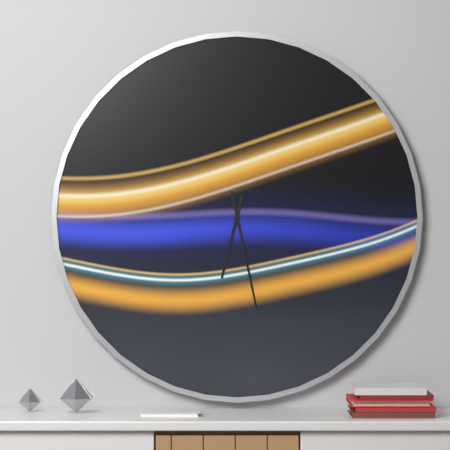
6:28
